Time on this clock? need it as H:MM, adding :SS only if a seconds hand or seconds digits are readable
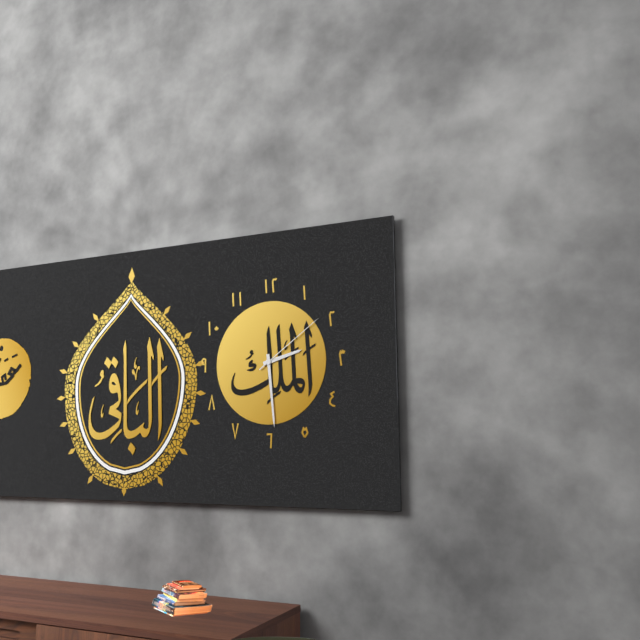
2:29:09
